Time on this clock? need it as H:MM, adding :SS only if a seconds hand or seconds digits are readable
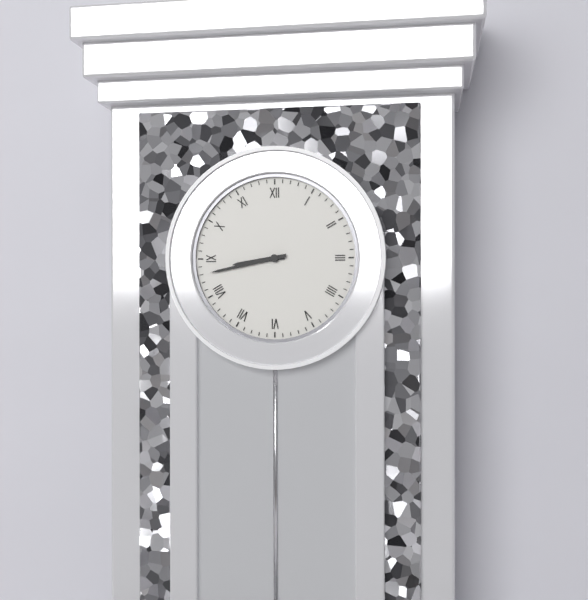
8:43
